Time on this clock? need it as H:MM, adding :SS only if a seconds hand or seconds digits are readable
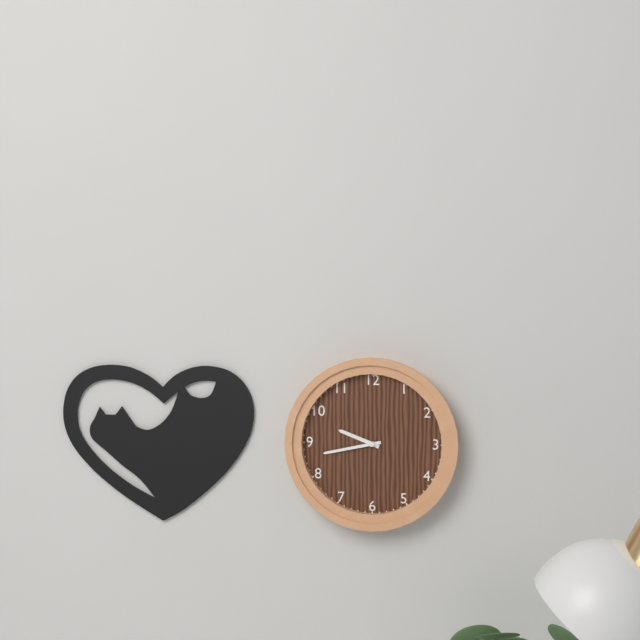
9:43
